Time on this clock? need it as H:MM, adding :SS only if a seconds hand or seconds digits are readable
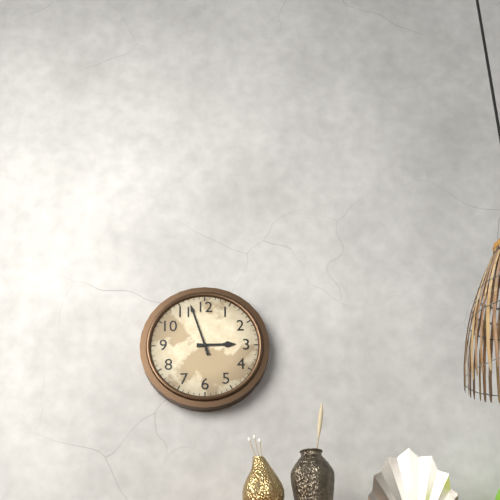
2:57
